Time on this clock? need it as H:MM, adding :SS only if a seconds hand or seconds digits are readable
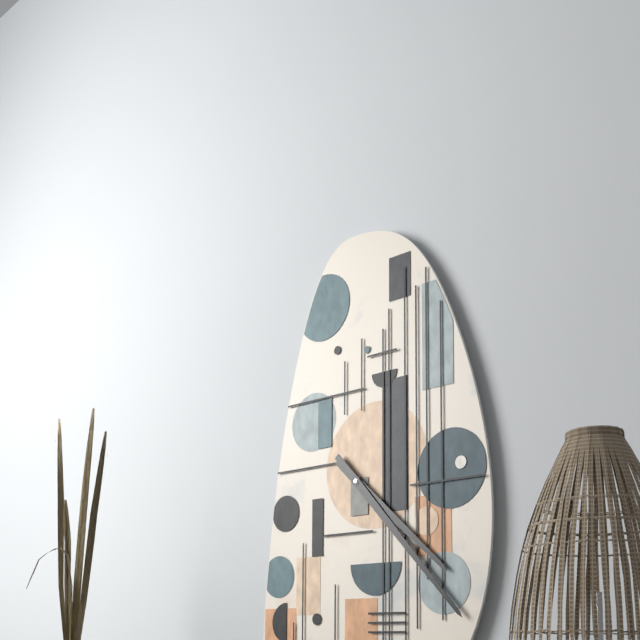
4:23
